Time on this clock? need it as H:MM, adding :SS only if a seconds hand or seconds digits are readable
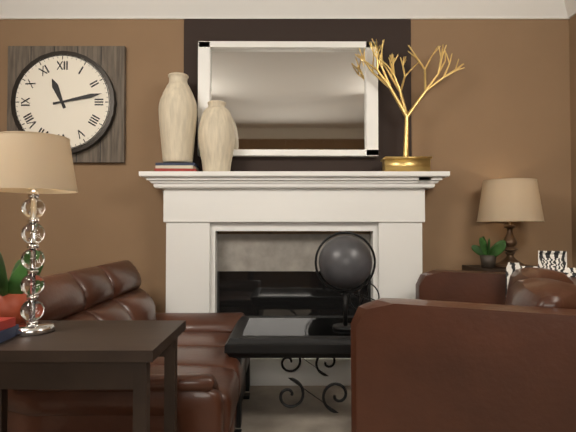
11:13
